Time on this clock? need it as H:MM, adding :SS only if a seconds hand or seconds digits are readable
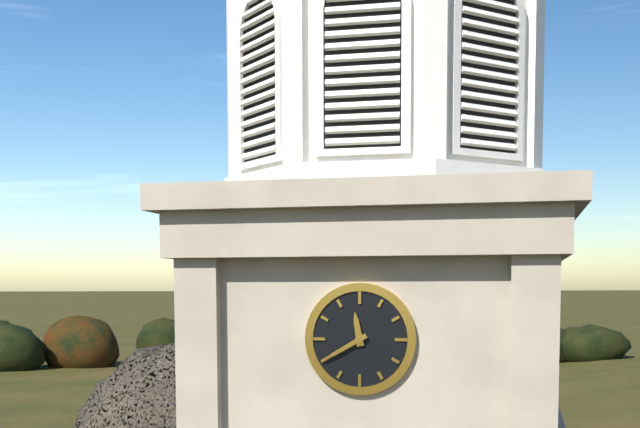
11:40
